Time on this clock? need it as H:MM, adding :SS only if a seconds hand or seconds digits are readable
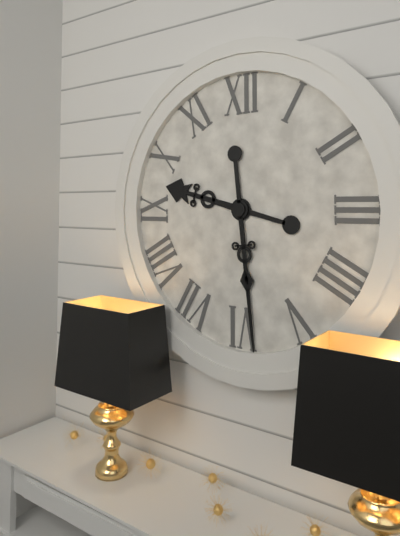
9:29
